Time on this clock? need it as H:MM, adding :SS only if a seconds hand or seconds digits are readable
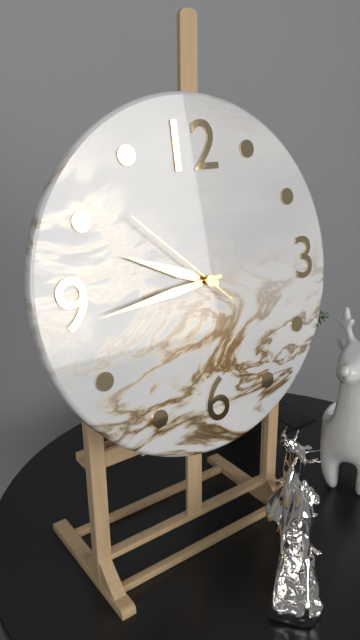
9:44:52
